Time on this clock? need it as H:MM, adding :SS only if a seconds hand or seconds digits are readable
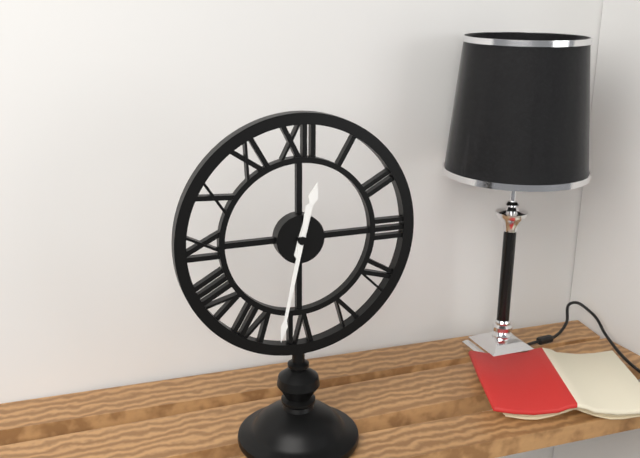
12:32
